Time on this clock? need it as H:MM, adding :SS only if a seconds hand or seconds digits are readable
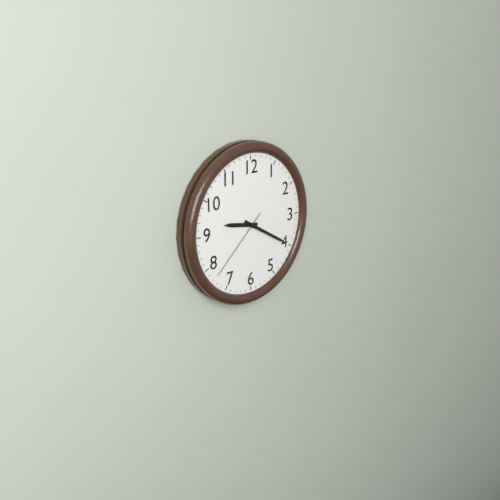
9:20:38
